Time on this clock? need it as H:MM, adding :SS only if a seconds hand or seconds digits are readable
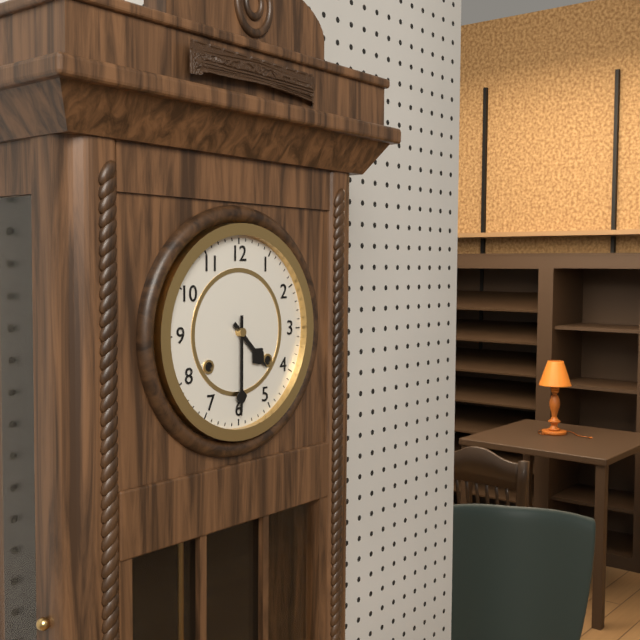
4:30
